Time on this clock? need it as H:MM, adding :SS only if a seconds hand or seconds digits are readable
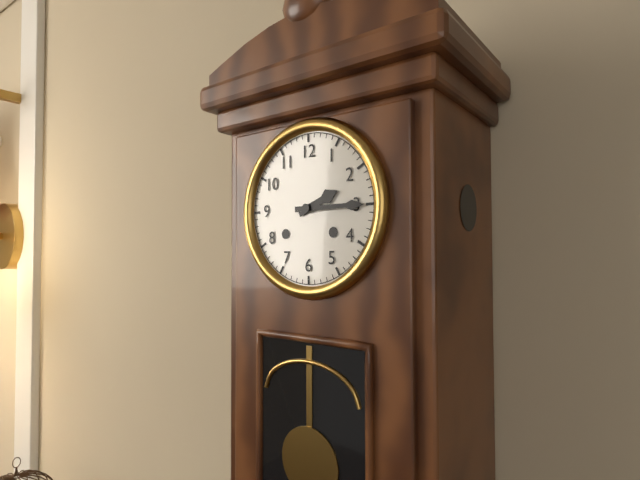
2:15
